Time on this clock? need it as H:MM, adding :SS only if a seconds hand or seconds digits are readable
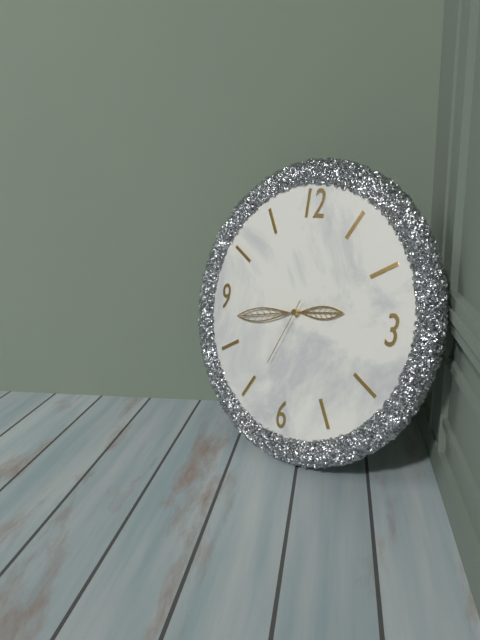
2:43:34
